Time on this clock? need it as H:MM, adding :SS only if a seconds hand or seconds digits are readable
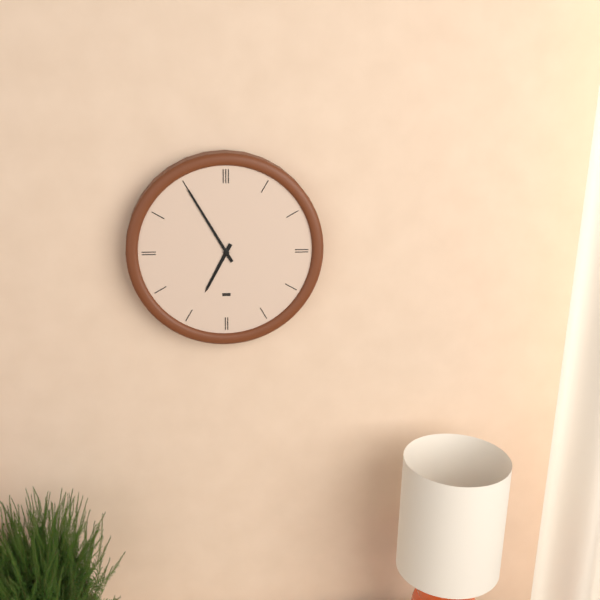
6:55
